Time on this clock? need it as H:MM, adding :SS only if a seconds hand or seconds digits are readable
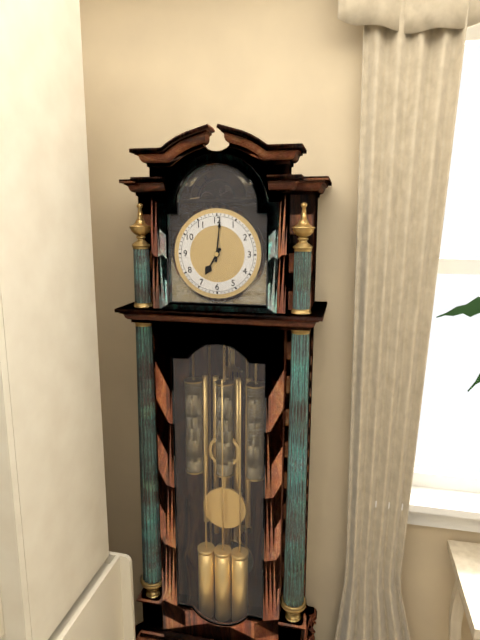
7:01
